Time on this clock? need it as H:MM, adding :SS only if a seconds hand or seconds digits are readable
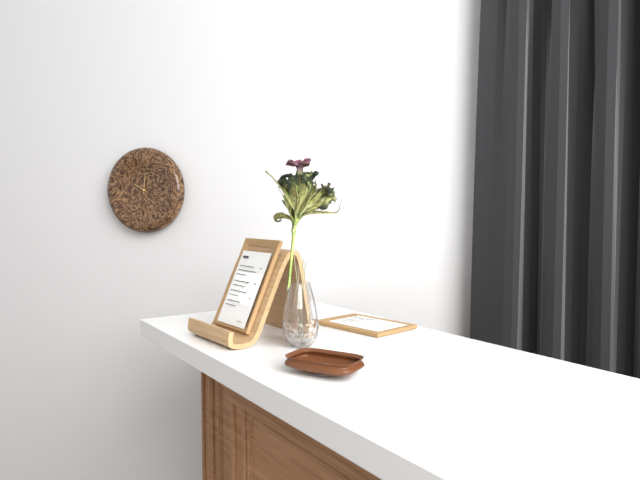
10:01
